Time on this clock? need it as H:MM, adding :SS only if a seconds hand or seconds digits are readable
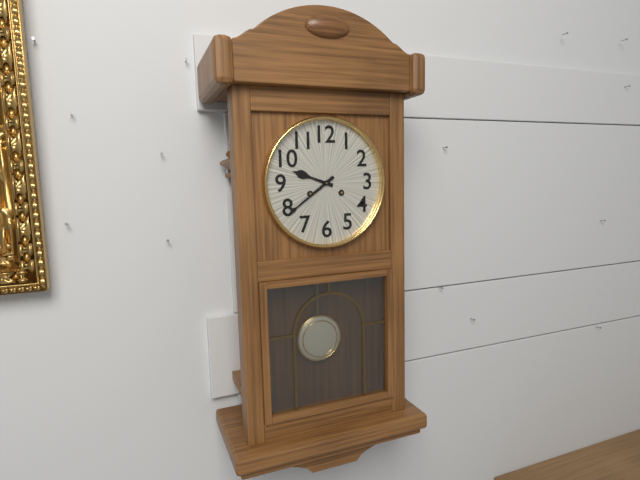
9:39
